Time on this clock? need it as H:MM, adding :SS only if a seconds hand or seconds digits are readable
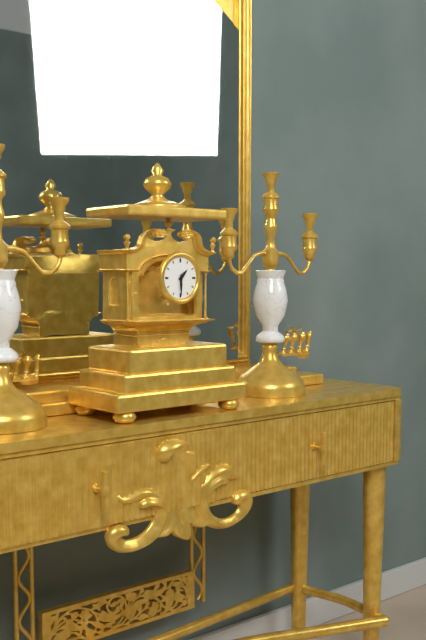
1:30
